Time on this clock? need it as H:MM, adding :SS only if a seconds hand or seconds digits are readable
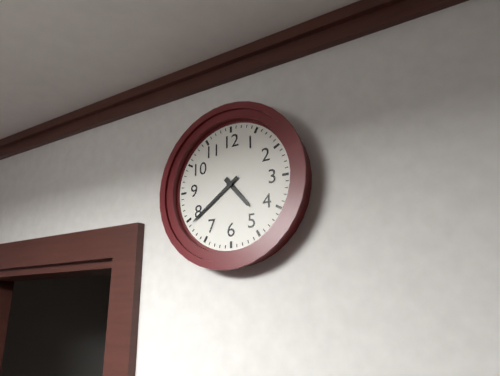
4:39
